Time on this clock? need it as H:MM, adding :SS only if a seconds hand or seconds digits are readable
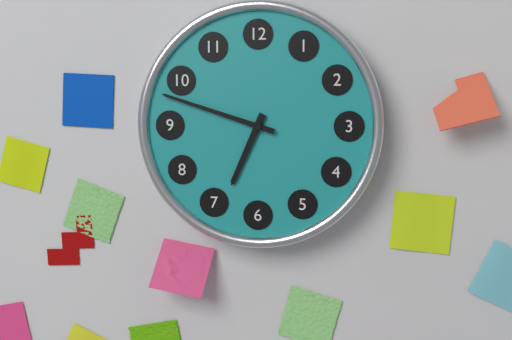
6:48
